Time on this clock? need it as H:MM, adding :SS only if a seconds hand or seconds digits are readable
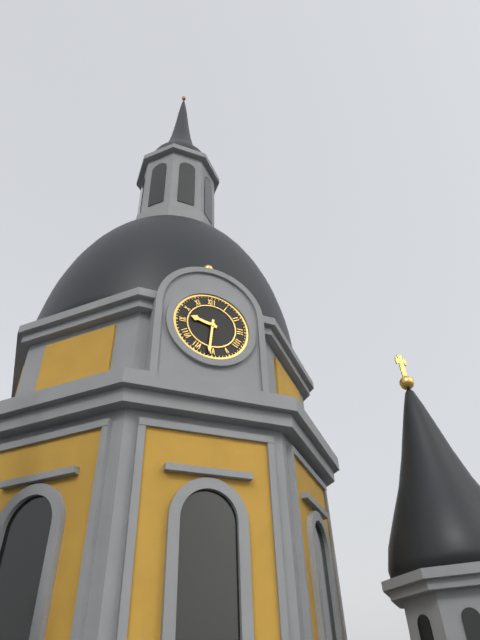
9:31
